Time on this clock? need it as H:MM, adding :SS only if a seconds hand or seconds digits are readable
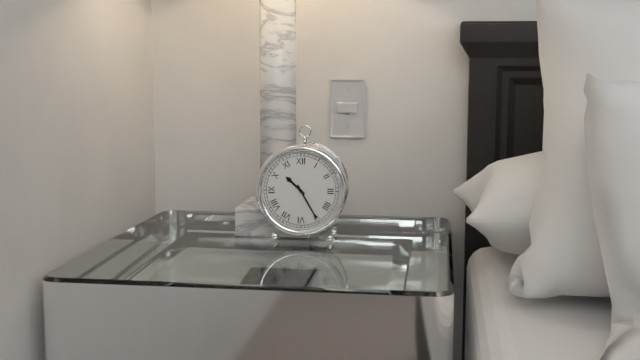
10:25
